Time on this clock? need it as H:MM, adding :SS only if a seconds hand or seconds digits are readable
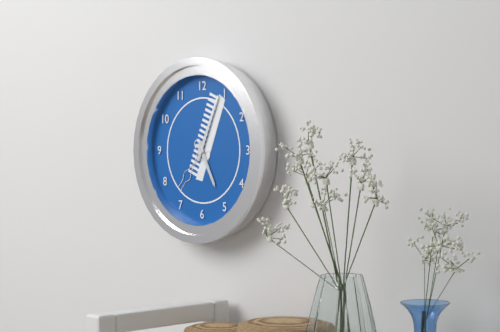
5:04
